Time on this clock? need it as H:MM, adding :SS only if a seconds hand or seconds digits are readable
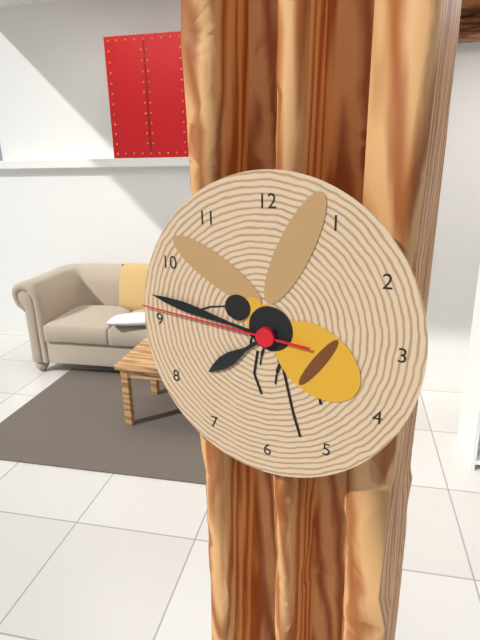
7:47:46
